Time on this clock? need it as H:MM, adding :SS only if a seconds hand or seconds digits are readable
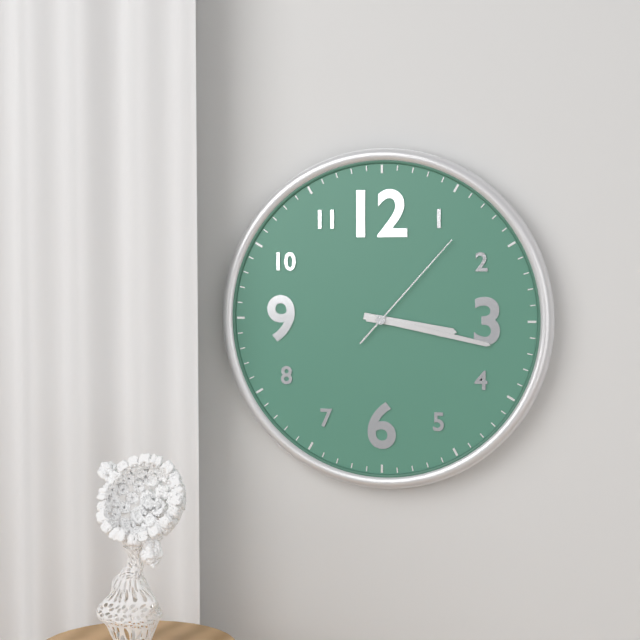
3:17:07
